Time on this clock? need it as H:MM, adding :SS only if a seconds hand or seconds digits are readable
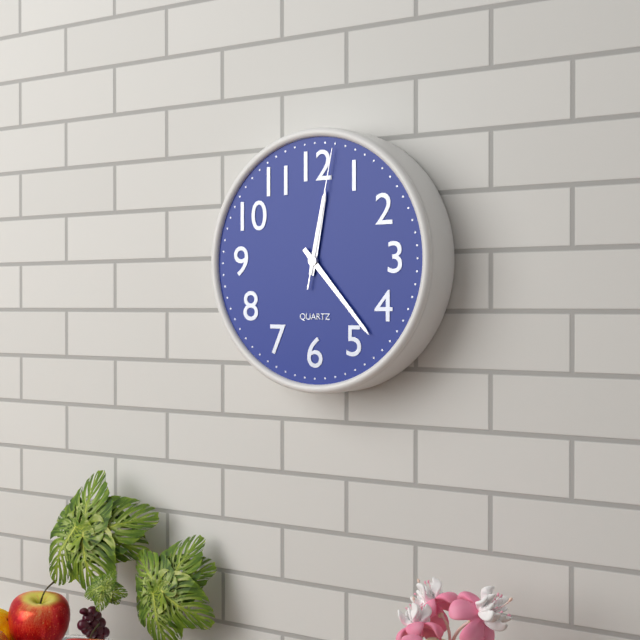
12:23:02
